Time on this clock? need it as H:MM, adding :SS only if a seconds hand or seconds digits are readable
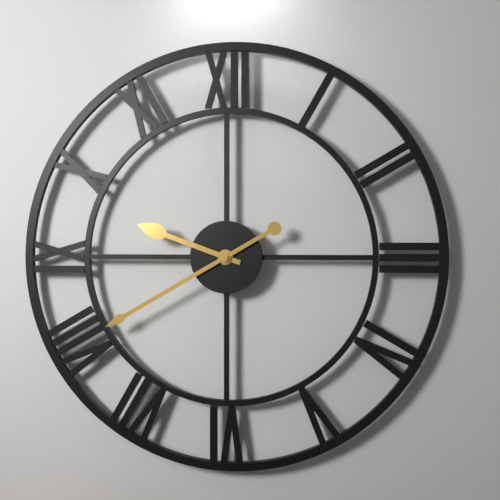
9:40
